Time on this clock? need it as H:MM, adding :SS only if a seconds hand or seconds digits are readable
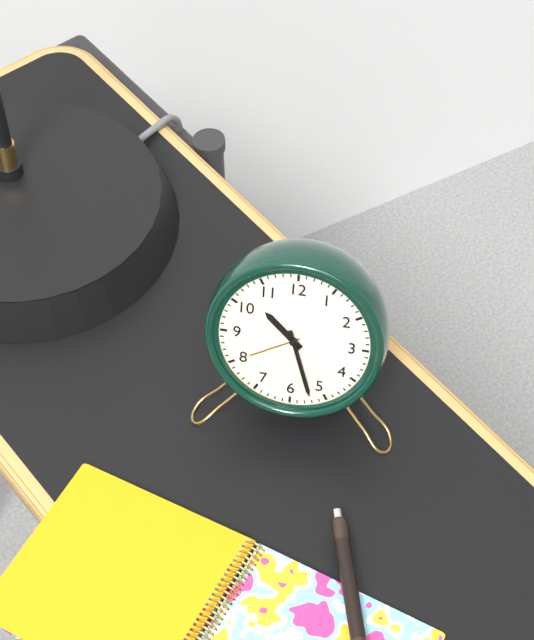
10:27
